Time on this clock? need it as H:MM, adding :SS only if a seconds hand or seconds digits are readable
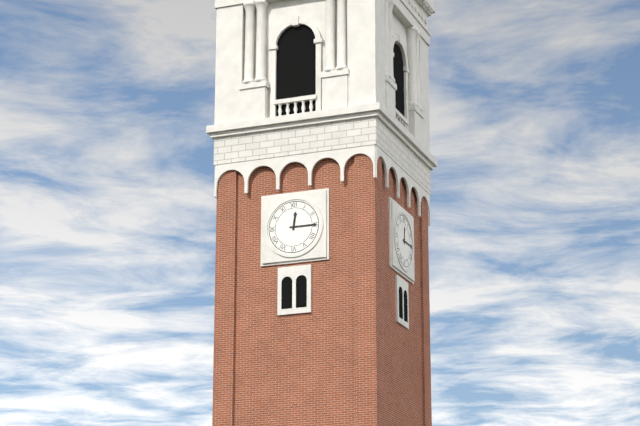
12:15
